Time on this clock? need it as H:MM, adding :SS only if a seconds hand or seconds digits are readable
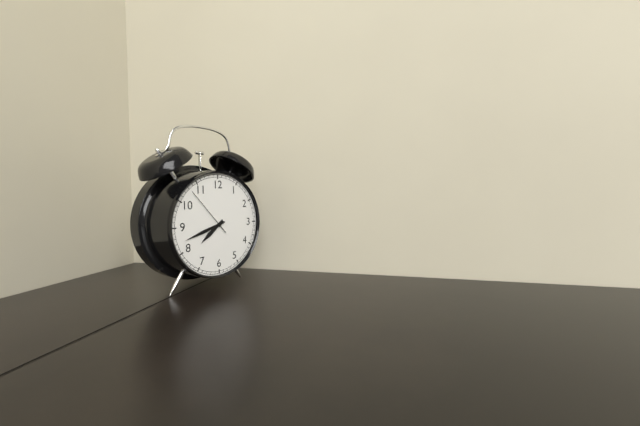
7:42:53
